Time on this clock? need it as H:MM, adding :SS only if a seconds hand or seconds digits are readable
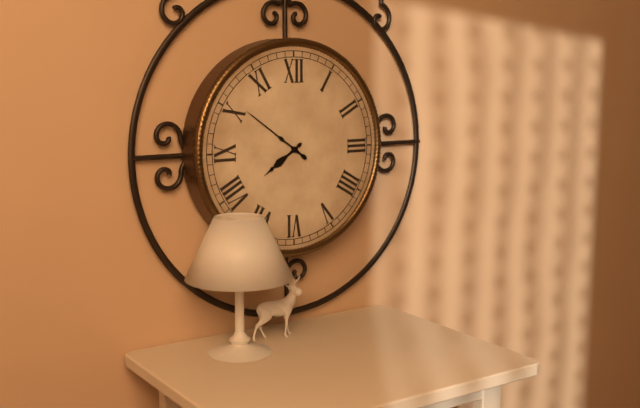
7:51
